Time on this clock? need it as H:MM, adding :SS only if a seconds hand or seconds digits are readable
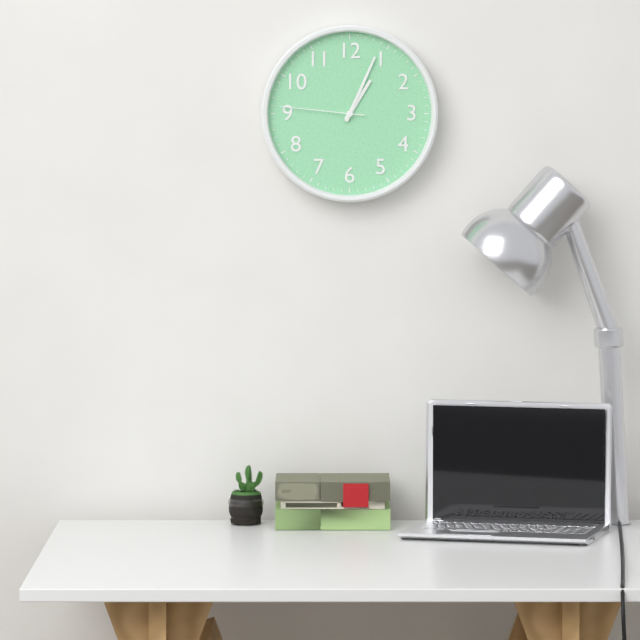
1:04:46
